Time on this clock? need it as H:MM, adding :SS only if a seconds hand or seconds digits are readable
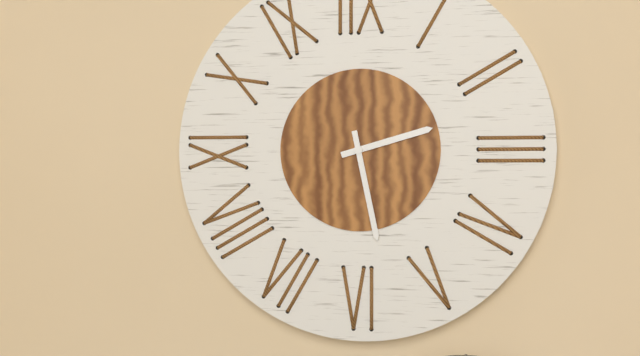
2:28
